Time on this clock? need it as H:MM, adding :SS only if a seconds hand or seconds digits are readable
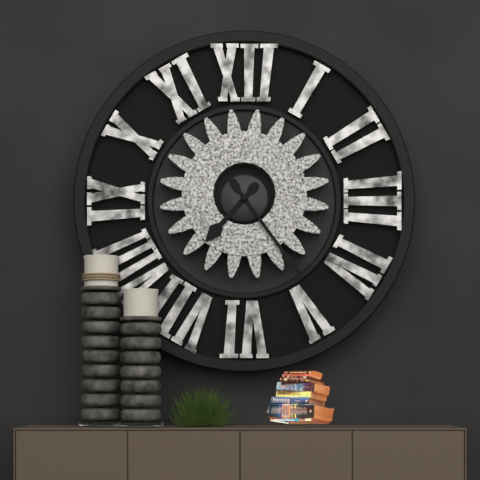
7:24
